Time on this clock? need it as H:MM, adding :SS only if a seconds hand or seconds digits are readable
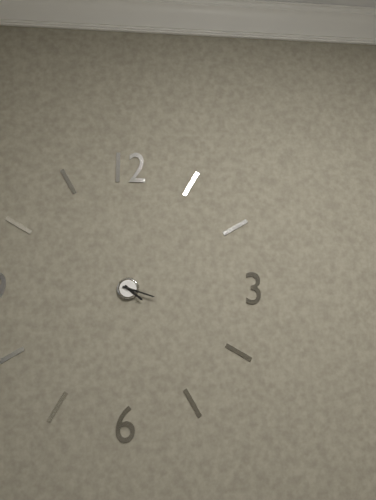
4:18
